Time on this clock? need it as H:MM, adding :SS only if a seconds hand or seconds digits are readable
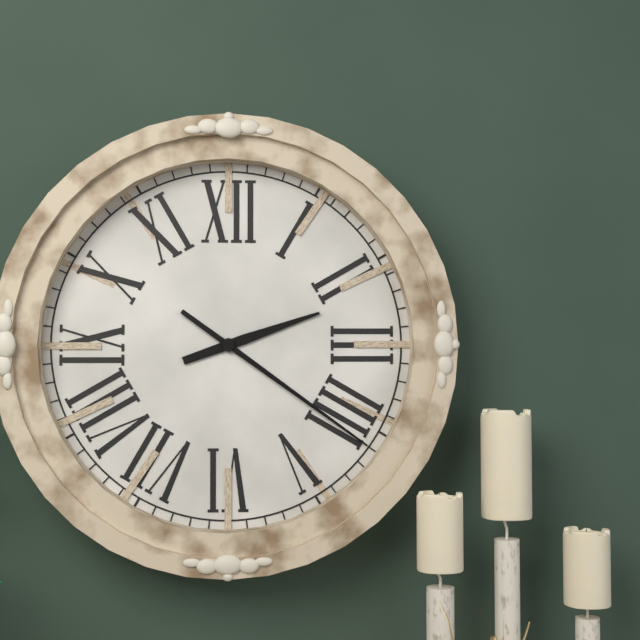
2:21
